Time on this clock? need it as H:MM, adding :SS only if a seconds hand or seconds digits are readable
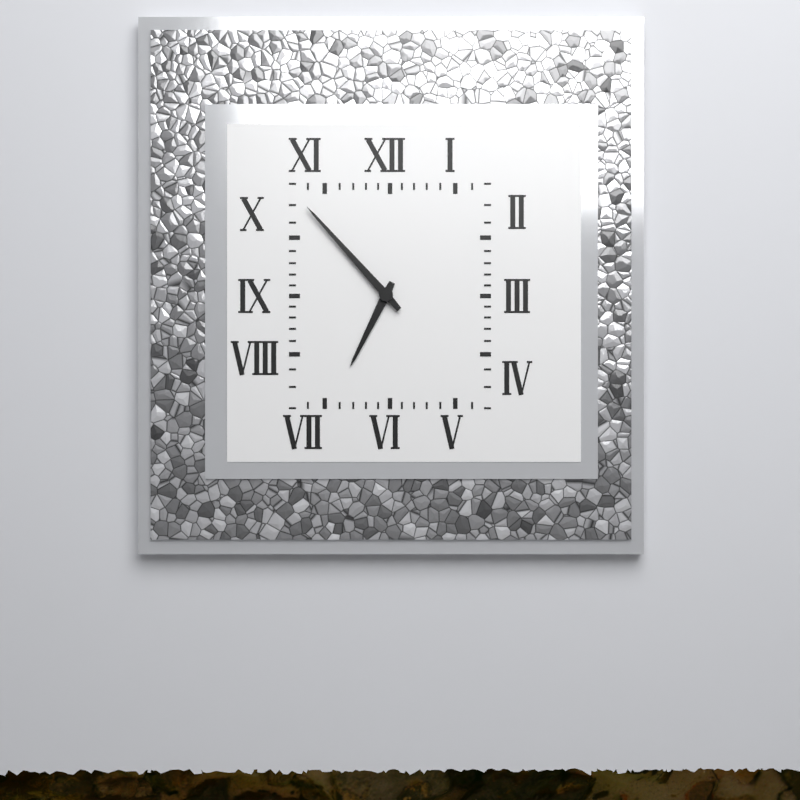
6:53
